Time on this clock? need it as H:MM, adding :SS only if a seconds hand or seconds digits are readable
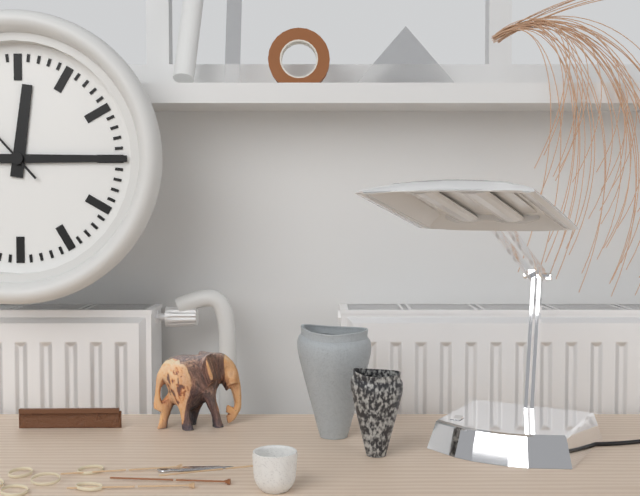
12:15
